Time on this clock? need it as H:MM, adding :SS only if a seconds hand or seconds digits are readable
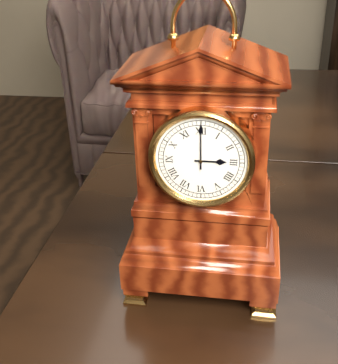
3:00
